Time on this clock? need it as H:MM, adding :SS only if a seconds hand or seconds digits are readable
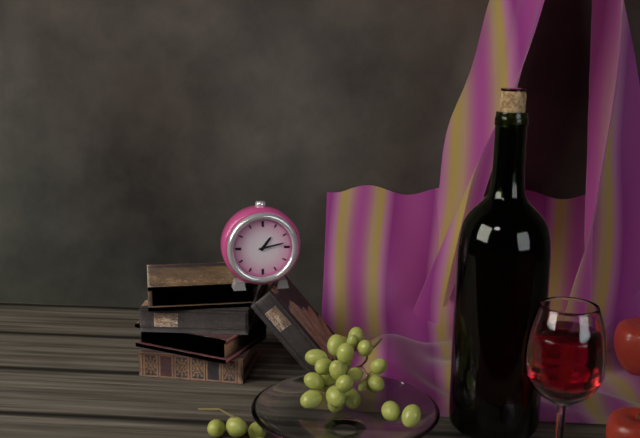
1:13
